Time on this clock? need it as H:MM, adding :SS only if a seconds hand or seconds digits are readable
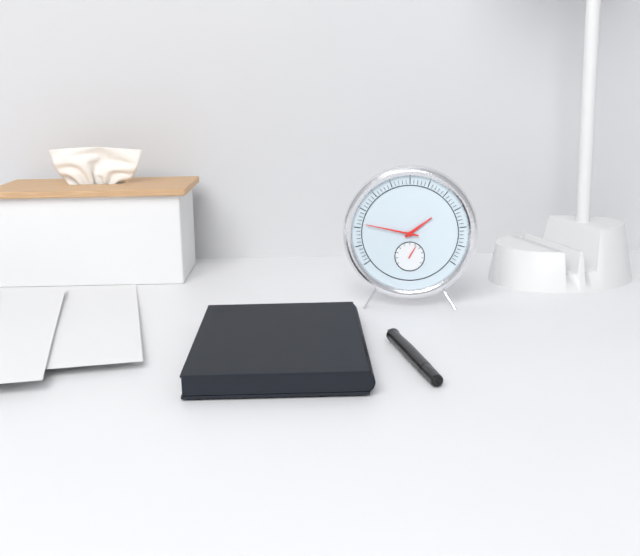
1:47
